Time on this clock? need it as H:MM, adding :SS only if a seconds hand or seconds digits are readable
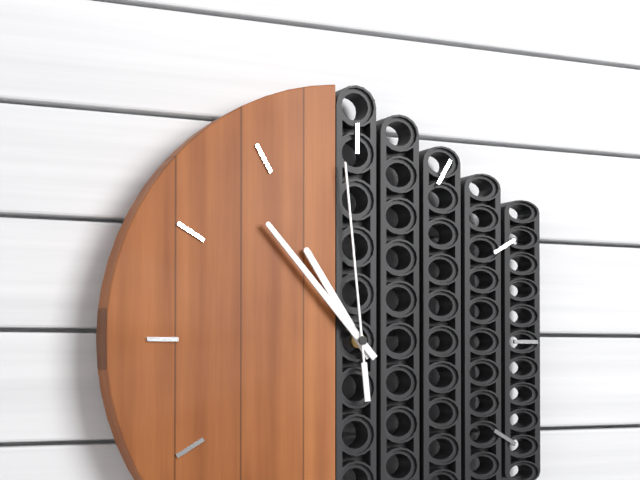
10:53:59
